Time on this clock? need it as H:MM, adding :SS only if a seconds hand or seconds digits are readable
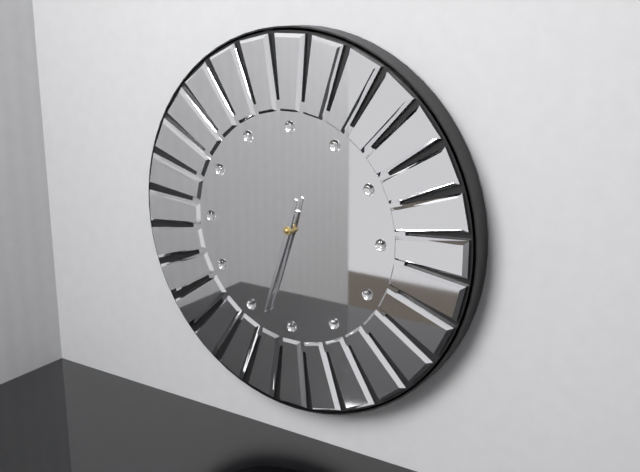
6:33
